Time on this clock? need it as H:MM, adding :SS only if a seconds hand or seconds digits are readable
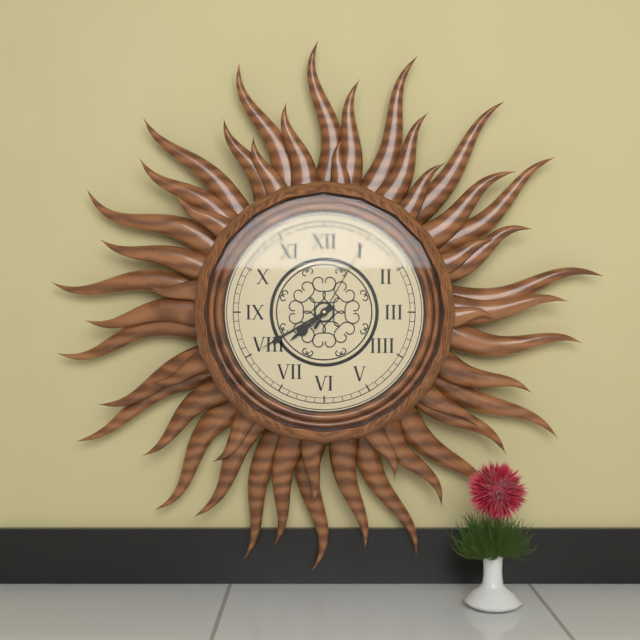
7:40:05
